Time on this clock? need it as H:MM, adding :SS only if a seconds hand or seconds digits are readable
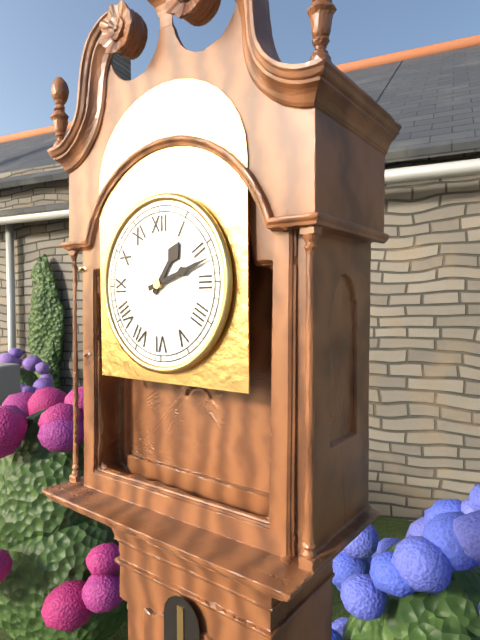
1:12
